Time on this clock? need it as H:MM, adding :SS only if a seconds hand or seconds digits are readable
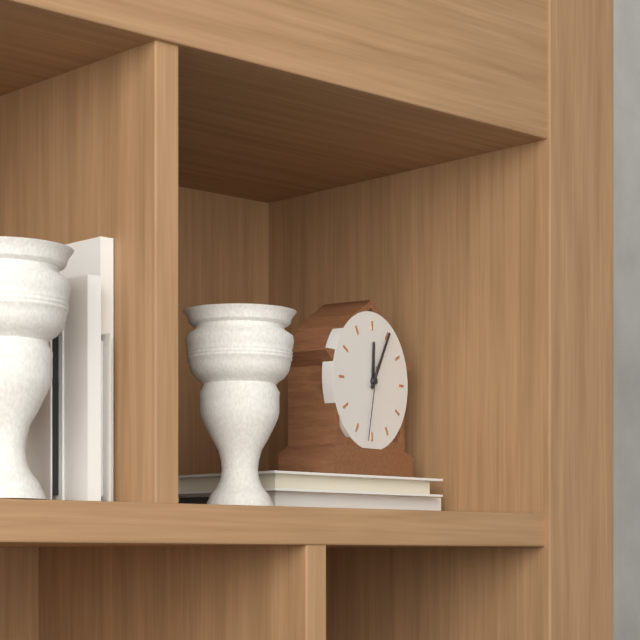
12:05:32
